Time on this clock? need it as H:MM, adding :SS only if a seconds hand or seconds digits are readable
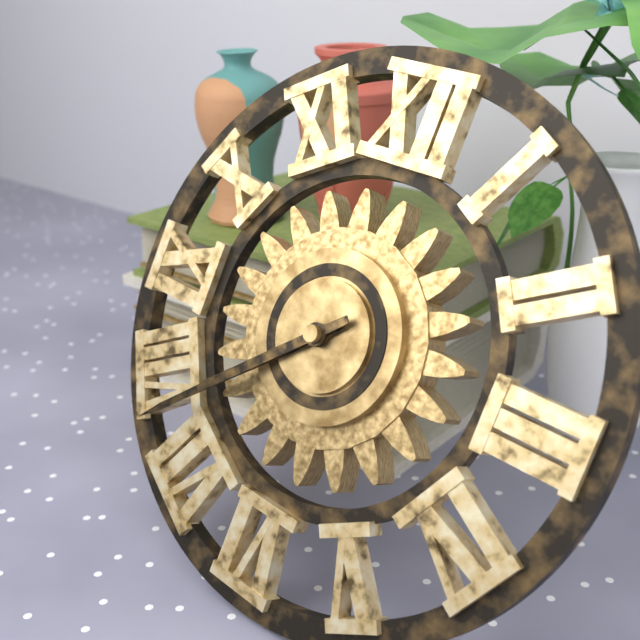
7:38
